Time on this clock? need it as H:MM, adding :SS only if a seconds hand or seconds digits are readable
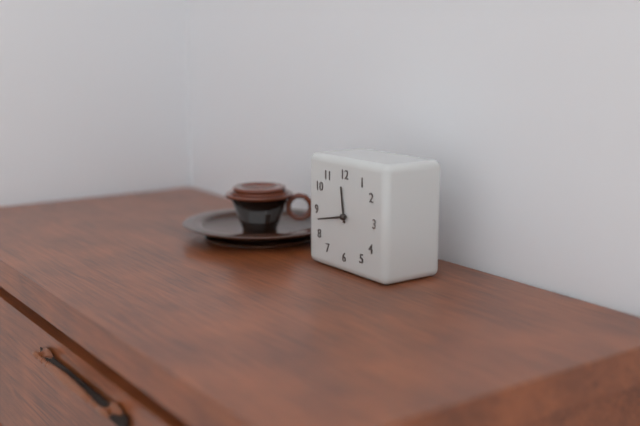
11:43
